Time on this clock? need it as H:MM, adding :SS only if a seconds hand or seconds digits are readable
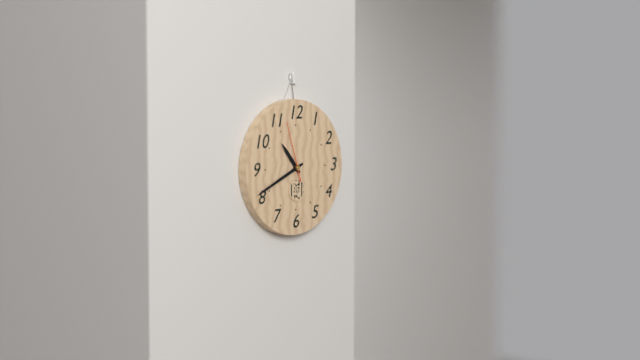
10:41:57
